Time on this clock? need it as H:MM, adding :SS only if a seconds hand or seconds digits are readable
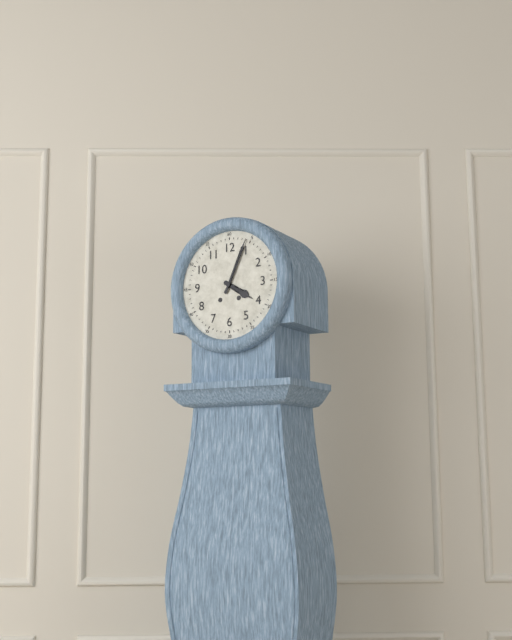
4:04
